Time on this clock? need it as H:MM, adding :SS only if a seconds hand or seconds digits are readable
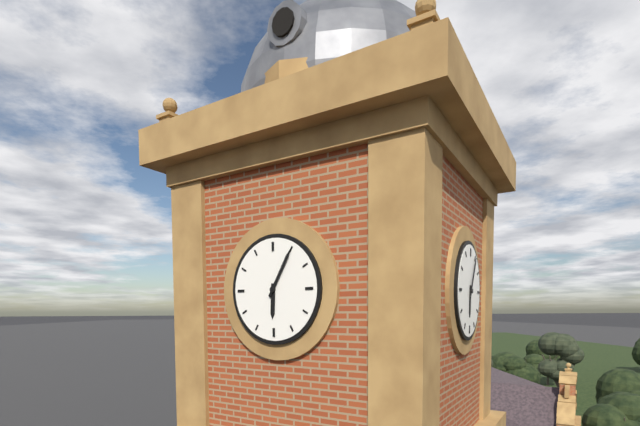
6:05
